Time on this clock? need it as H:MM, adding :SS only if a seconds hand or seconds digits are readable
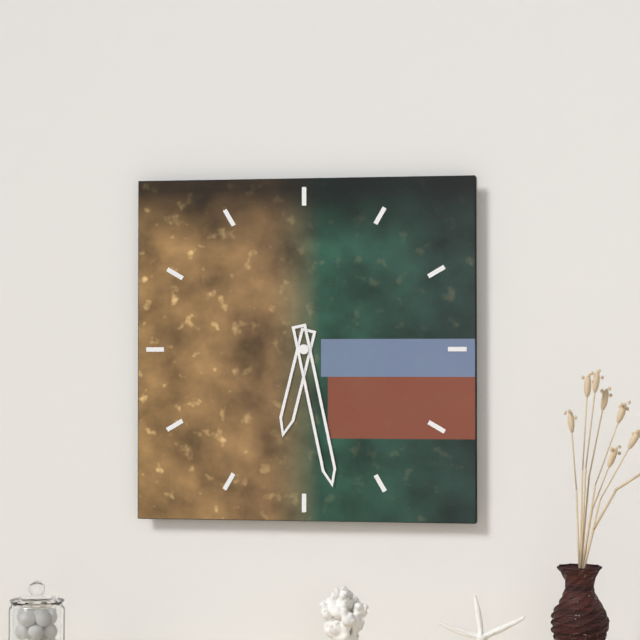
6:28
